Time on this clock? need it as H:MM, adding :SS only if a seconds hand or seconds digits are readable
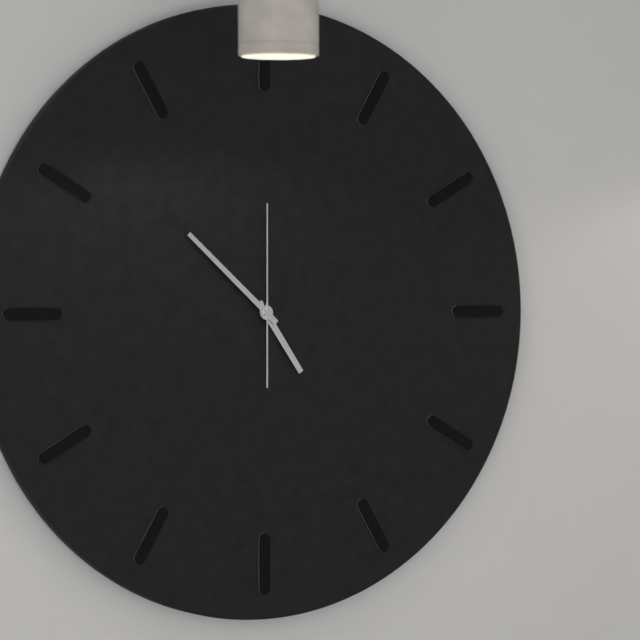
4:52:00
